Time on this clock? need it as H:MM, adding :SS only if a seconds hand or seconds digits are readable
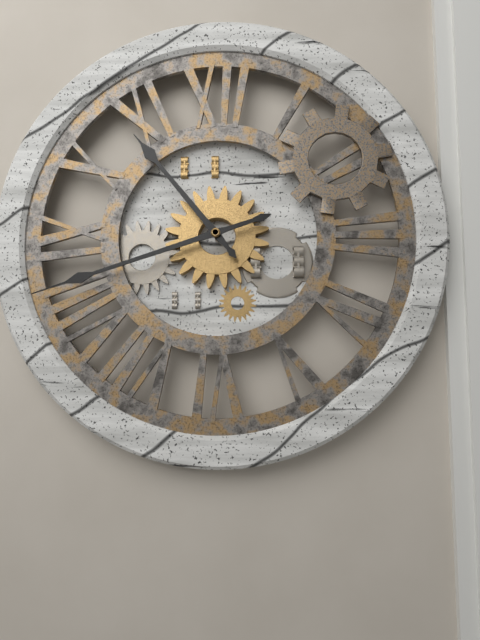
10:42
